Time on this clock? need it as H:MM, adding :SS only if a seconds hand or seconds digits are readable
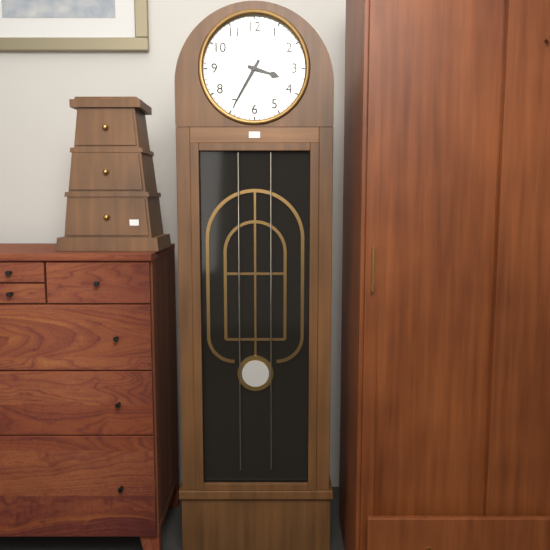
3:35
